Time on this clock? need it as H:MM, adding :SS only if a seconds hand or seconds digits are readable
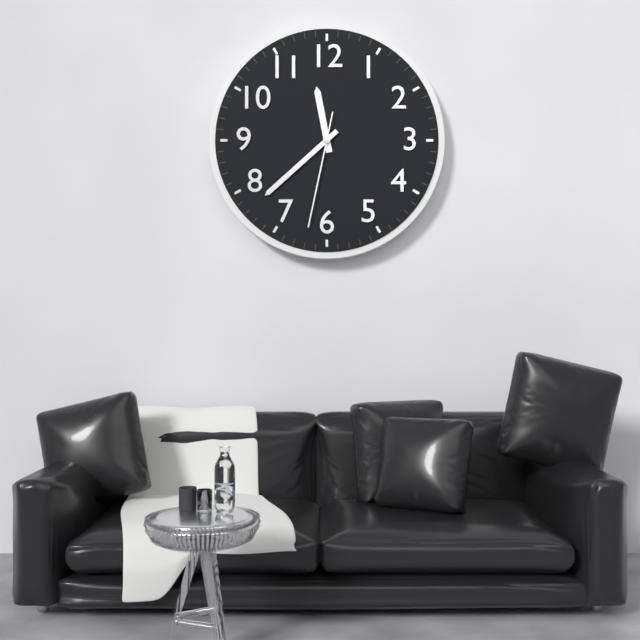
11:38:32
